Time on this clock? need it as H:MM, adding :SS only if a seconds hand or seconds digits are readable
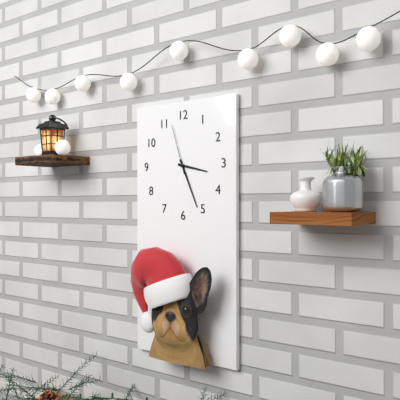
3:26:57
